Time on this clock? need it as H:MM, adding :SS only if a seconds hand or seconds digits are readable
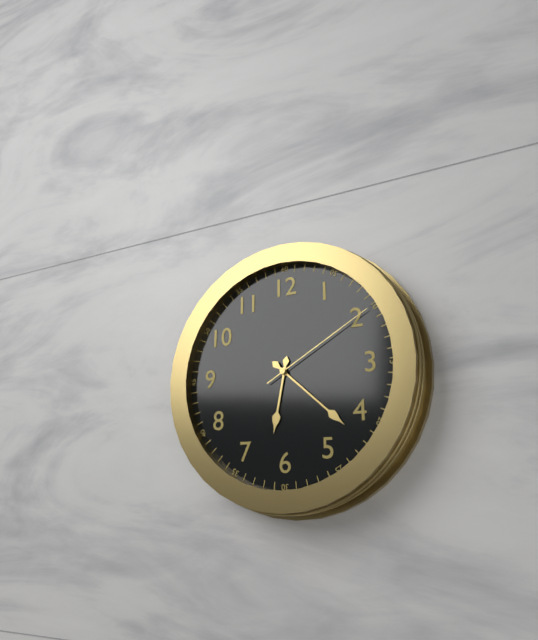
6:22:10
